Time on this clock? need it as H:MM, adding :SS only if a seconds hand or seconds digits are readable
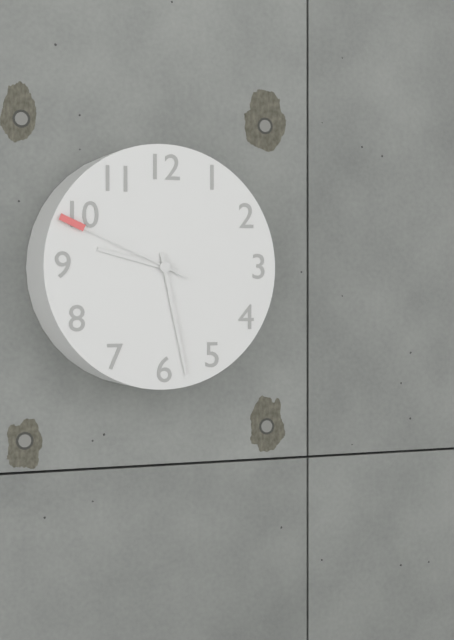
9:28:49
